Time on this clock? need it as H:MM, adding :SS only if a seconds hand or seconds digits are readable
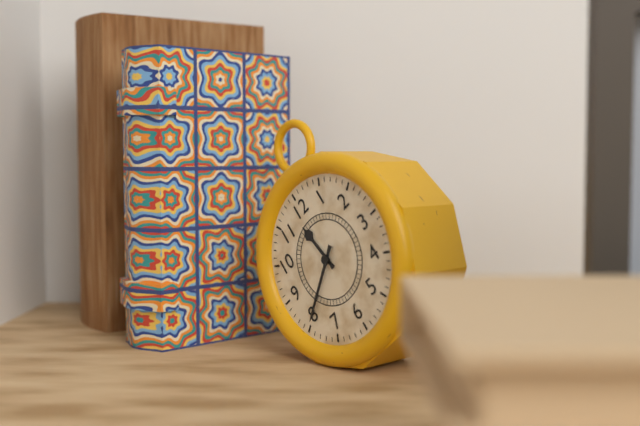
11:40
